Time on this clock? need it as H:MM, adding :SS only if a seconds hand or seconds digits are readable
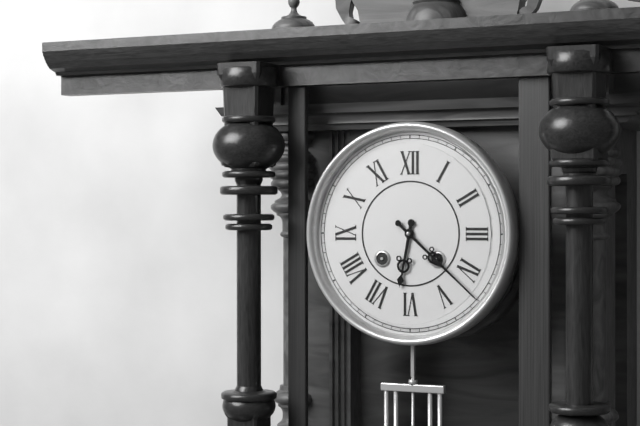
6:22
